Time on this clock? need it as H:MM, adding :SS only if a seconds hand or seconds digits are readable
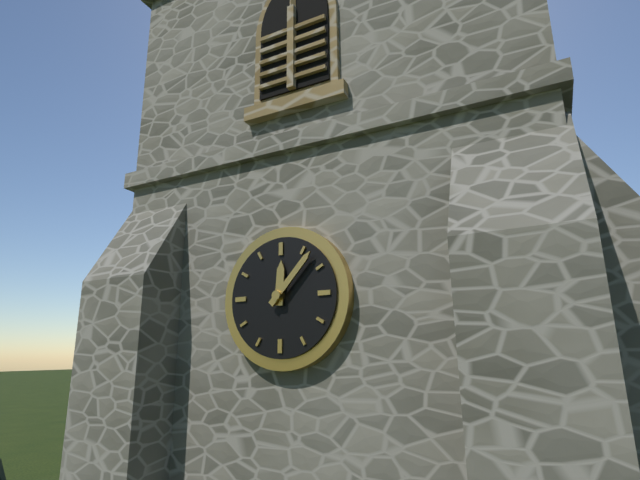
12:07
